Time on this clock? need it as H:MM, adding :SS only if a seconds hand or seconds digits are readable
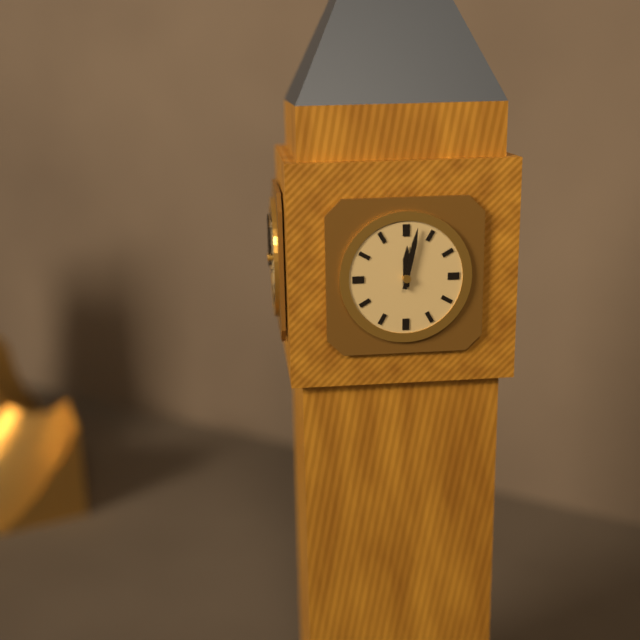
12:02
